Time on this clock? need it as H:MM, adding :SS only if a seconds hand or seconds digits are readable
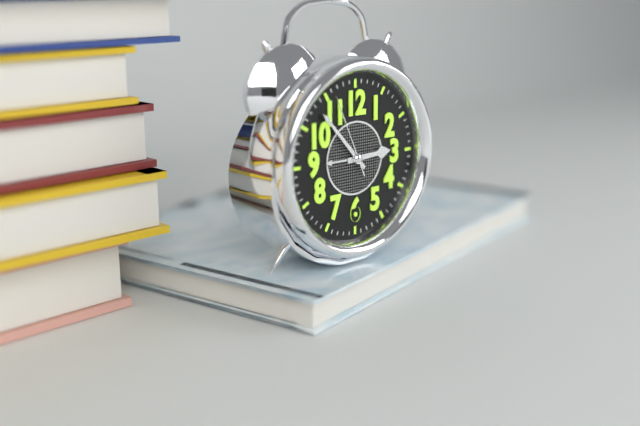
2:53:56
